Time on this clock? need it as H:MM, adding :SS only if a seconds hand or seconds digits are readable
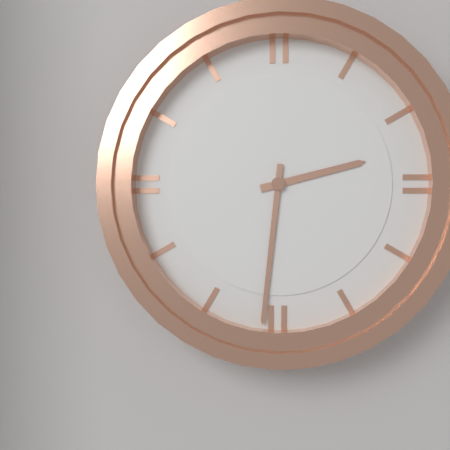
2:31
